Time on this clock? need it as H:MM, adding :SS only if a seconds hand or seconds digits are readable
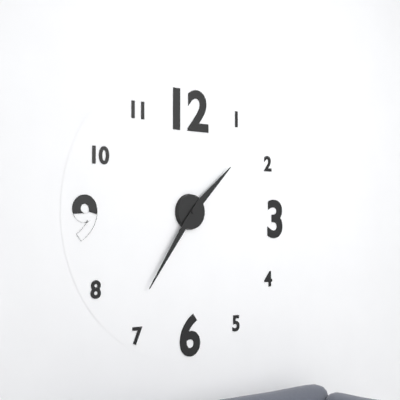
1:36
